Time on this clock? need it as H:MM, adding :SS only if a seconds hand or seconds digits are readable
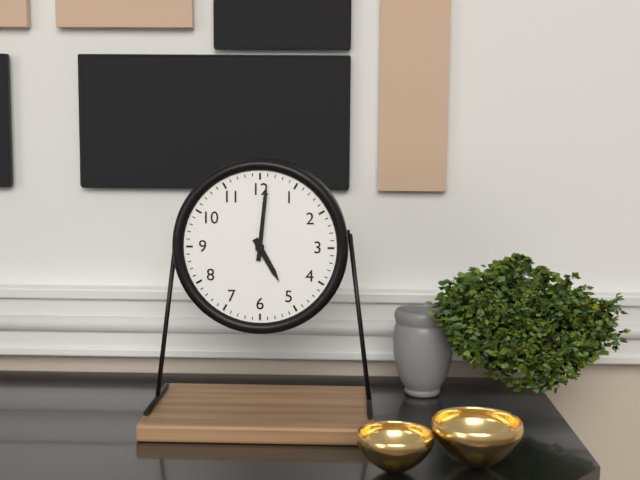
5:01
